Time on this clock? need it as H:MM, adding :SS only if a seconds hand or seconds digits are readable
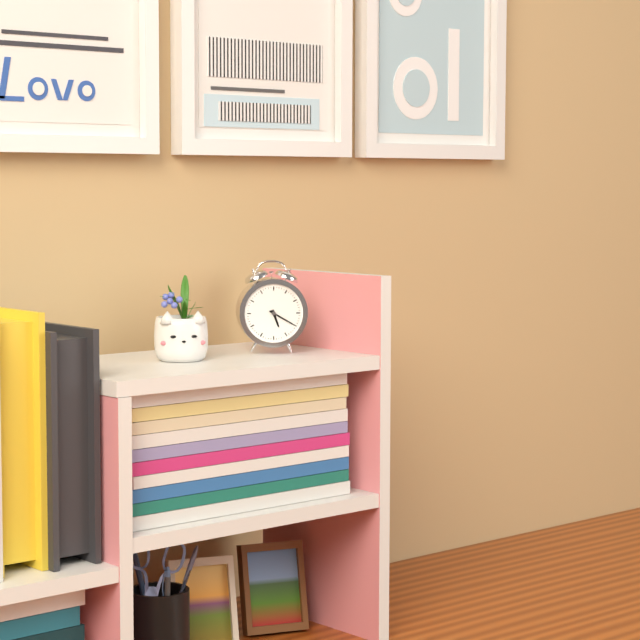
5:20
